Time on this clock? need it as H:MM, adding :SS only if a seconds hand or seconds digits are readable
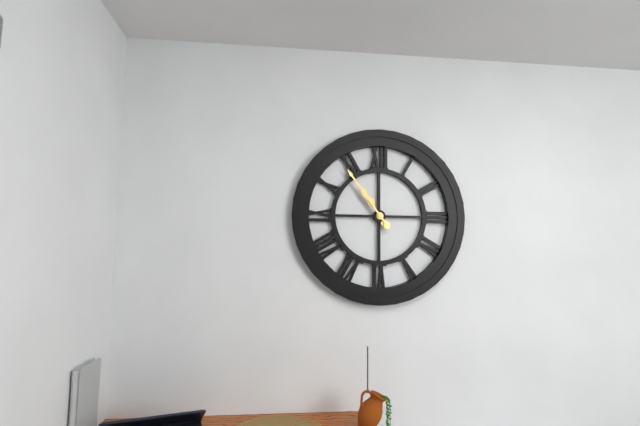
10:54
